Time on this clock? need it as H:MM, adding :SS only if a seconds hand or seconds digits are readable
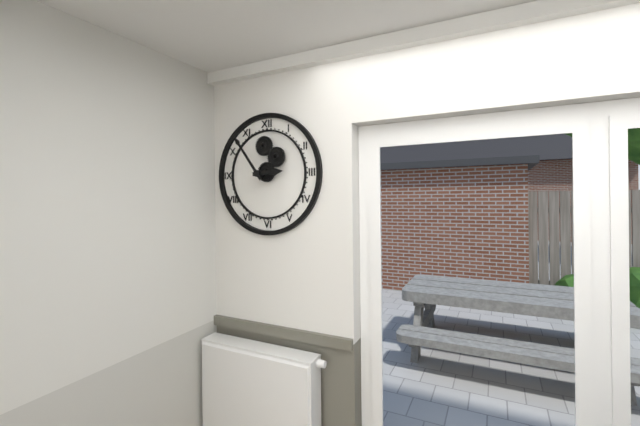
2:54
